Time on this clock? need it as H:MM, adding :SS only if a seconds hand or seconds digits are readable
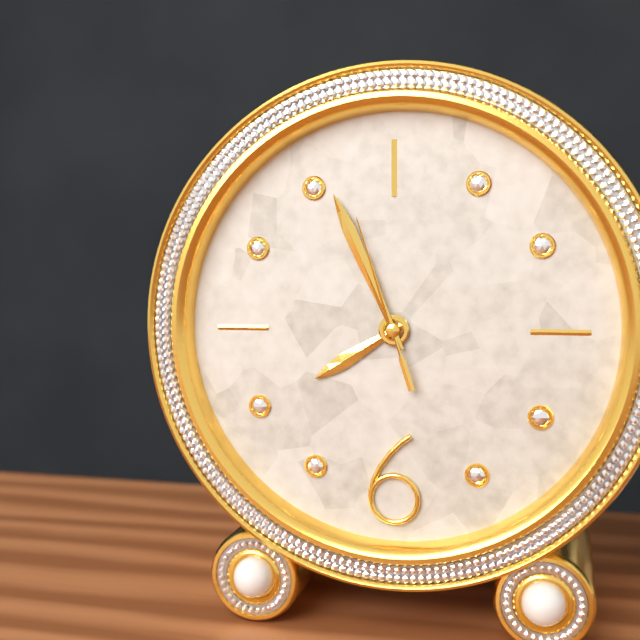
7:56:57
